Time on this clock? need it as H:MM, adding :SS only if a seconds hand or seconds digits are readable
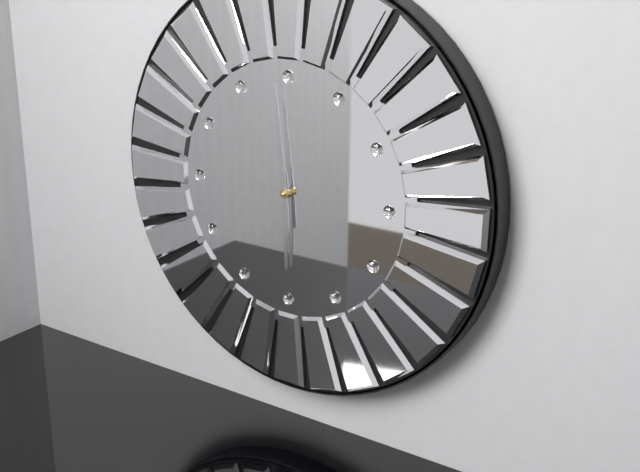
5:59
